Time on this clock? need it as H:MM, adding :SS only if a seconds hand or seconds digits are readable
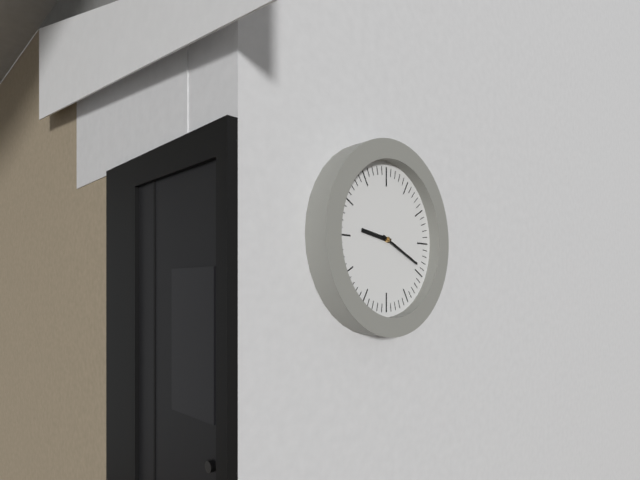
9:19
